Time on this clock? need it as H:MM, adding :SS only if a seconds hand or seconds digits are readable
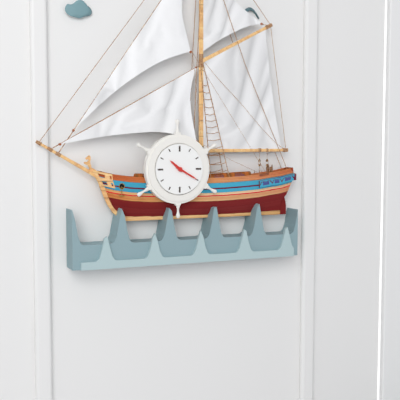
10:20
